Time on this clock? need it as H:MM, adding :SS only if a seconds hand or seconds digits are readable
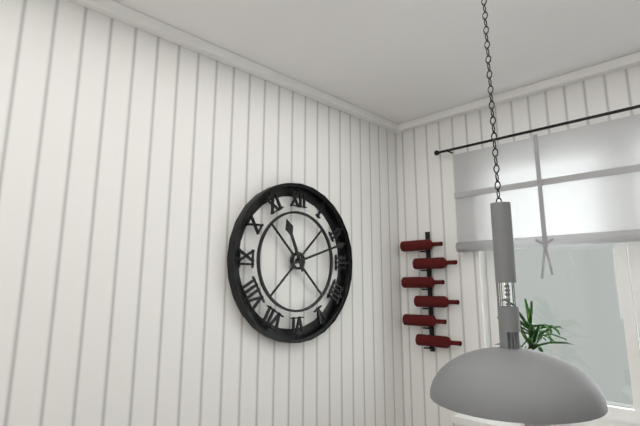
11:12
